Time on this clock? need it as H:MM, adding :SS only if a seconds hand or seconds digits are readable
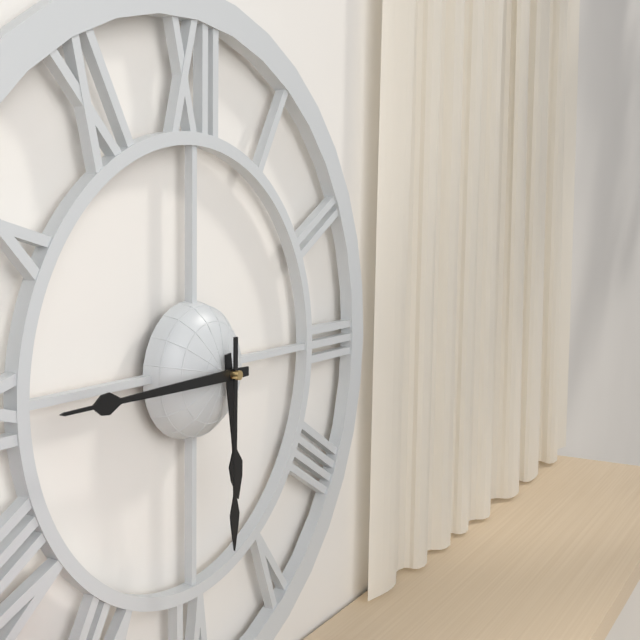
5:45:30
